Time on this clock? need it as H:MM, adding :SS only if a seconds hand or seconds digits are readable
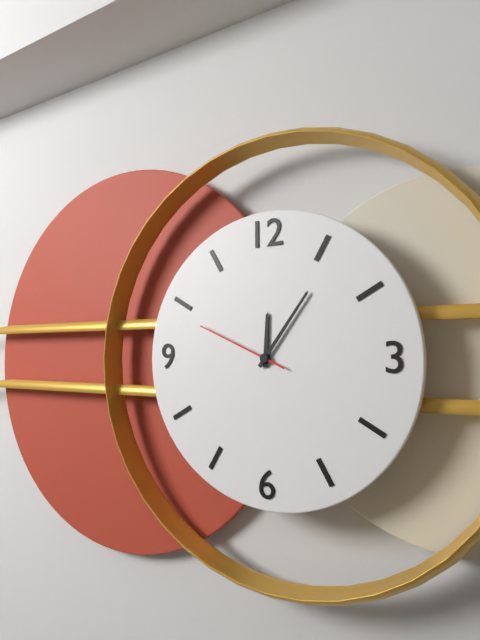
12:06:49
